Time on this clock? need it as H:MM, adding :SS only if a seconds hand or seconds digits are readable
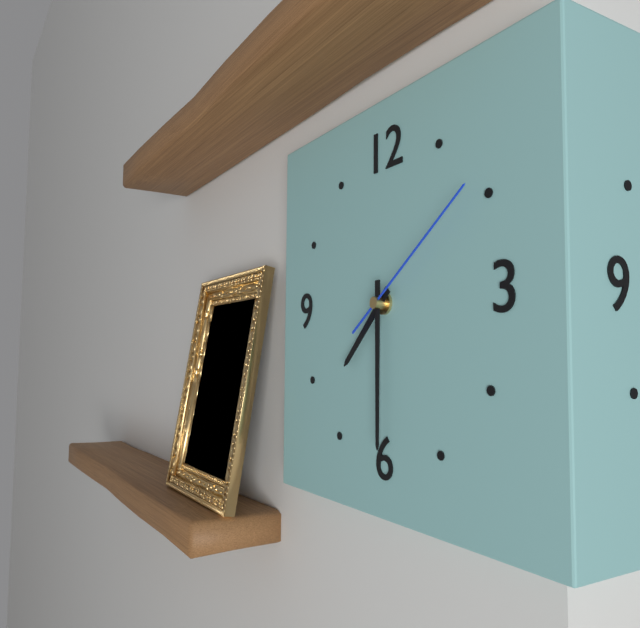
7:30:09
